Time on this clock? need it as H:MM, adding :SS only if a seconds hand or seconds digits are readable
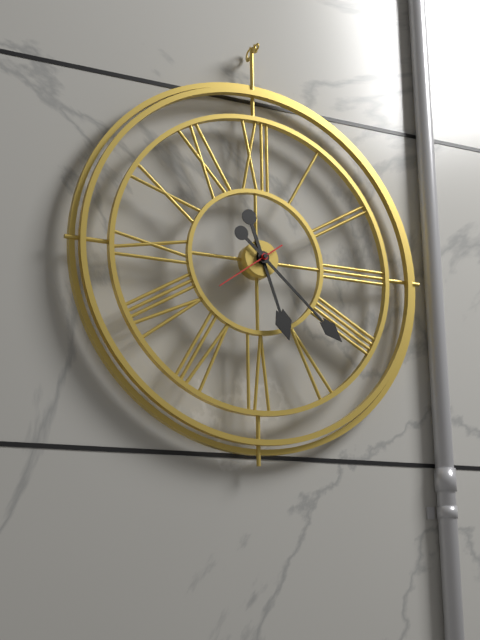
5:22
